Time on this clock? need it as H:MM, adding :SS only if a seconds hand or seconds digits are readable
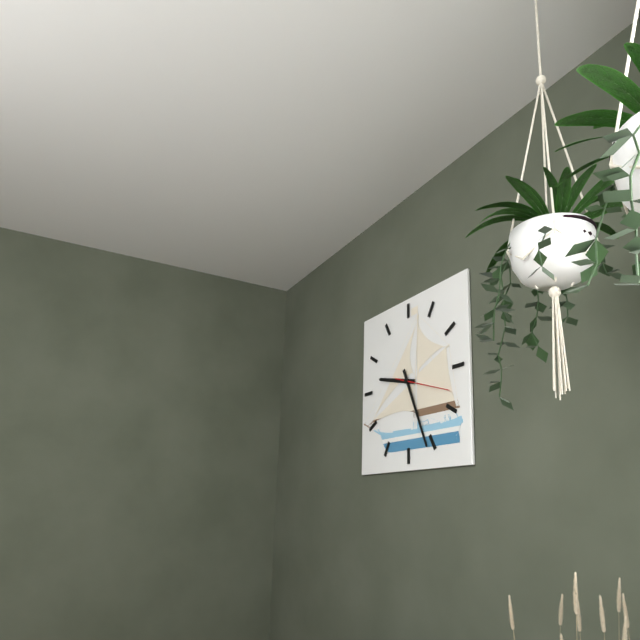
9:26:18
